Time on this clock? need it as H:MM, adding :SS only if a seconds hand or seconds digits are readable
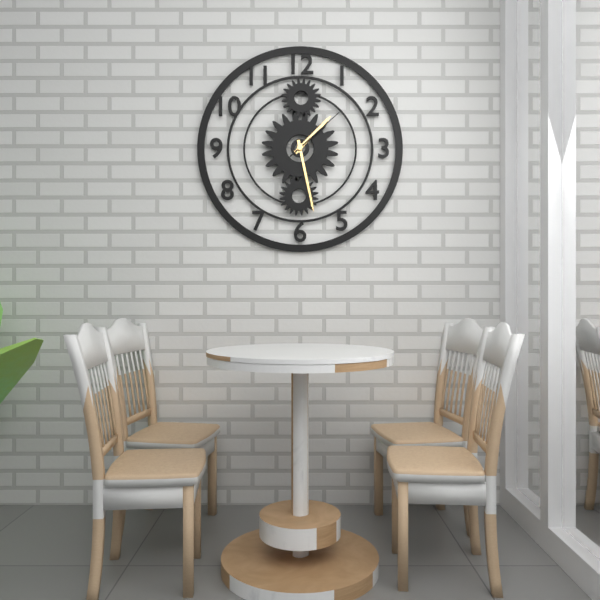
1:28:08
